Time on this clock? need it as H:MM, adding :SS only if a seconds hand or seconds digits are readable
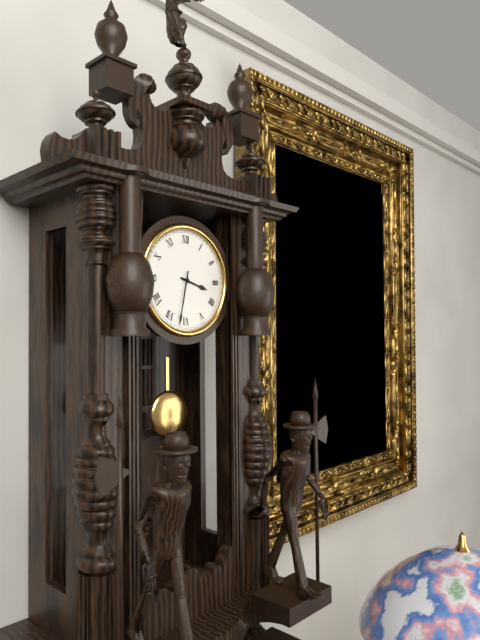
3:32
